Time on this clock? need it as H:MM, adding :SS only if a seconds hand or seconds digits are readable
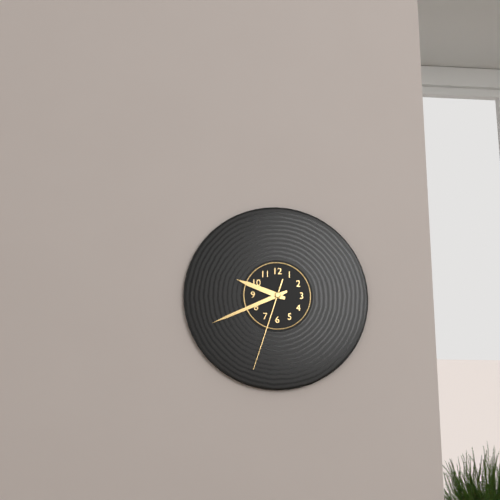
9:41:33
